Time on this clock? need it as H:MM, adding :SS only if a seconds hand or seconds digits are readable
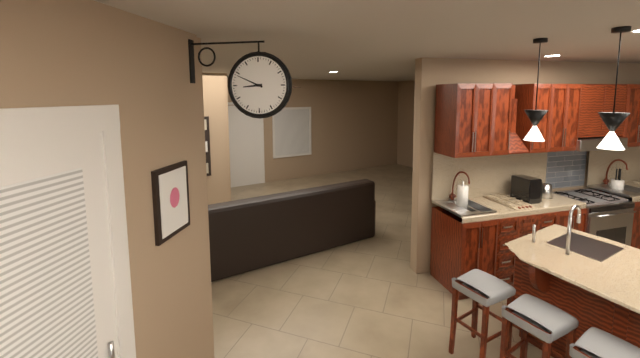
8:49
